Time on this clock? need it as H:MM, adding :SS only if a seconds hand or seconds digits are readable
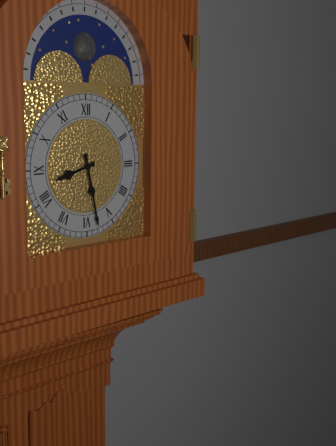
8:28
